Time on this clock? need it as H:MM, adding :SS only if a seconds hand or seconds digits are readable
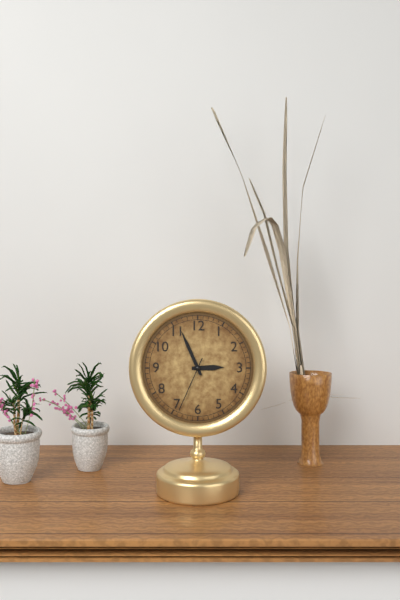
2:56:34
